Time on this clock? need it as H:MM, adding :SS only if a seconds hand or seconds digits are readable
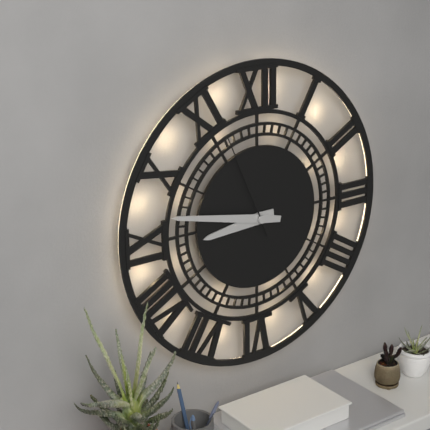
8:47:56
